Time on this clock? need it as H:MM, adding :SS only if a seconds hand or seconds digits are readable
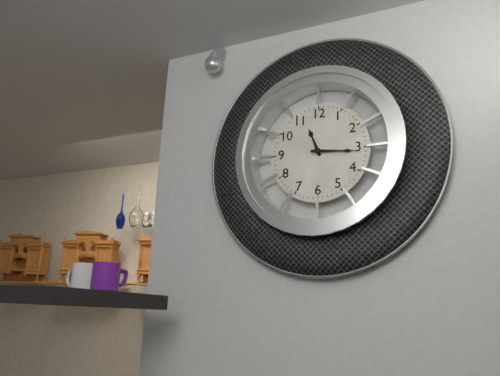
11:16
